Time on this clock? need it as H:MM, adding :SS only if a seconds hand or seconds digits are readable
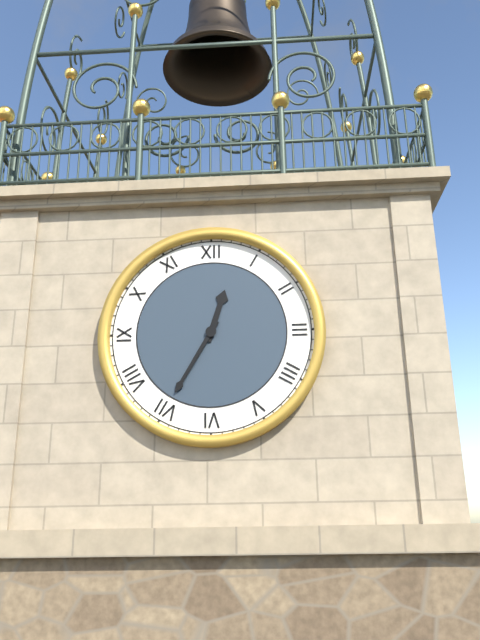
12:35
